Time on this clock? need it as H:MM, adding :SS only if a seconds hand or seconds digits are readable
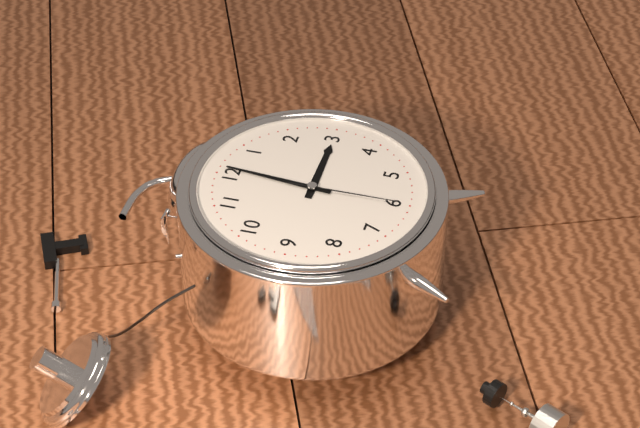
3:01:30
